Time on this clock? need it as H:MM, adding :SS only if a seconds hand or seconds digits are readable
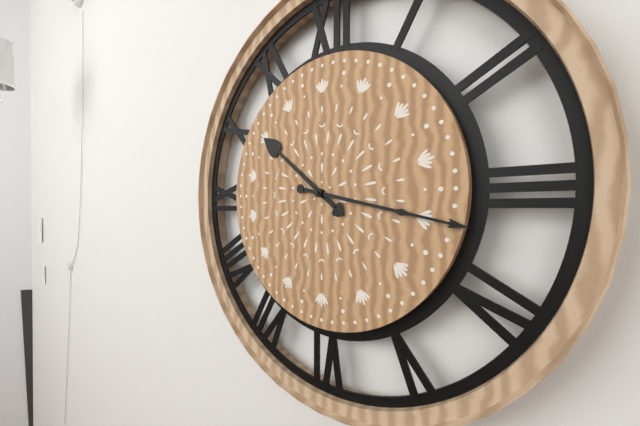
10:17
